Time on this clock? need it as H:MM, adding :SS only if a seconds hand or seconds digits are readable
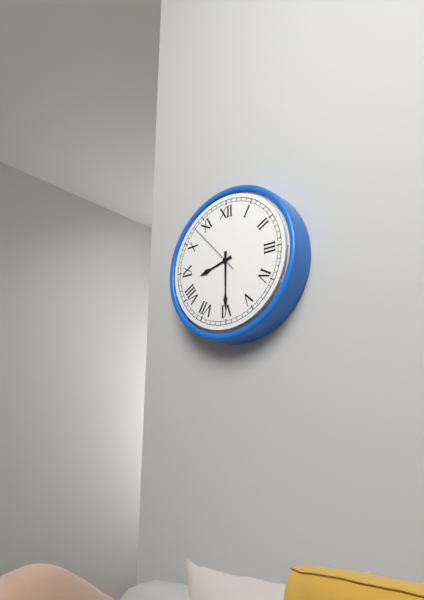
8:30:53
